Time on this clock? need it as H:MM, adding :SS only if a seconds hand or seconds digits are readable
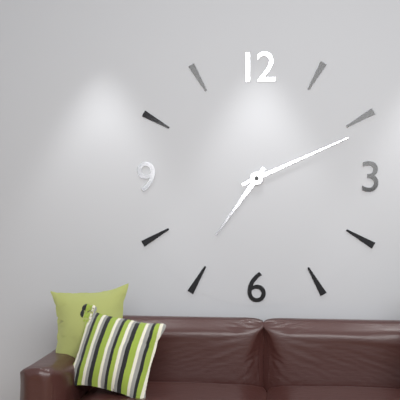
7:11
